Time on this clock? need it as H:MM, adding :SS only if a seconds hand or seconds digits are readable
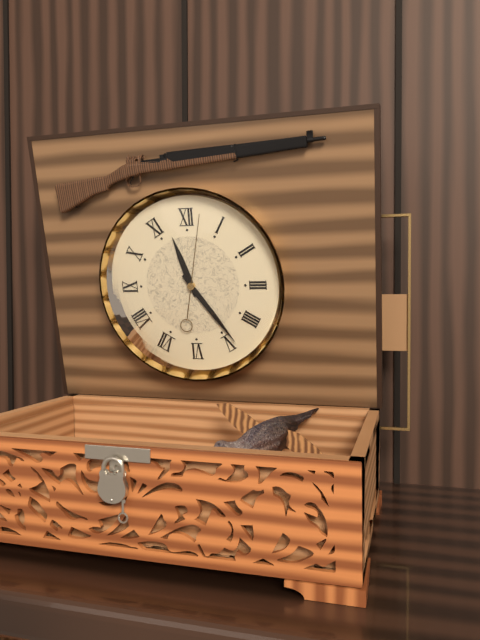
11:24:02
